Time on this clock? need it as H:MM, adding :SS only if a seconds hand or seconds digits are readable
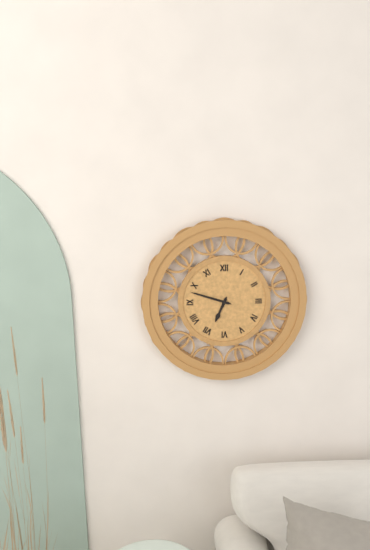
6:48
